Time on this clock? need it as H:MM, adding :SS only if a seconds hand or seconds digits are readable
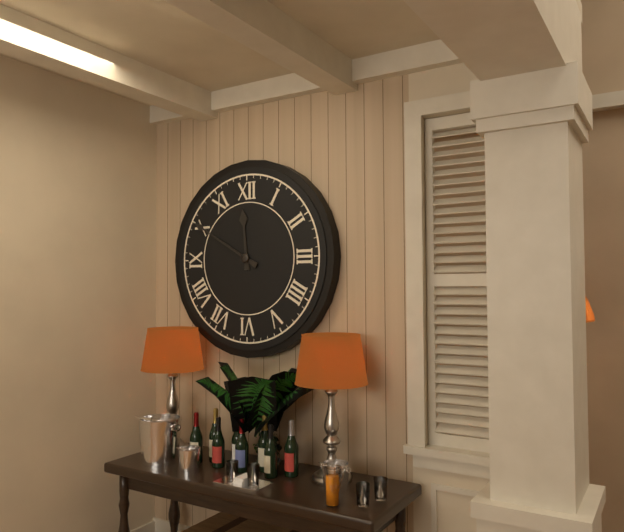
11:50
